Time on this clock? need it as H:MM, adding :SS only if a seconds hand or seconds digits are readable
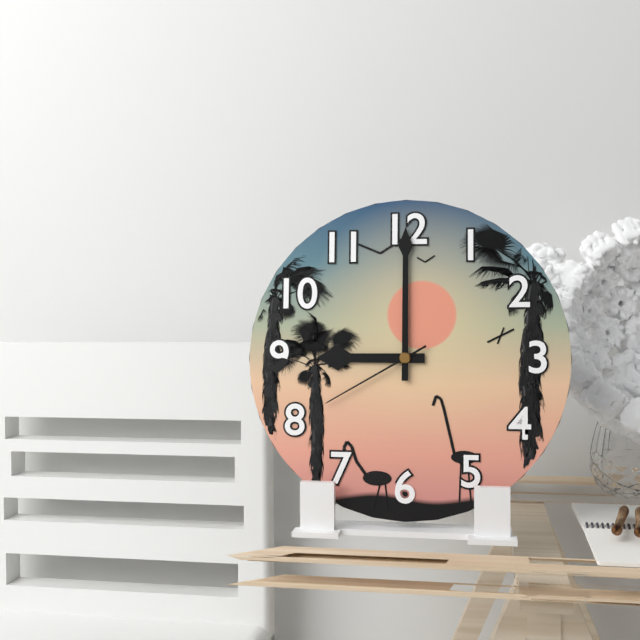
9:00:40
